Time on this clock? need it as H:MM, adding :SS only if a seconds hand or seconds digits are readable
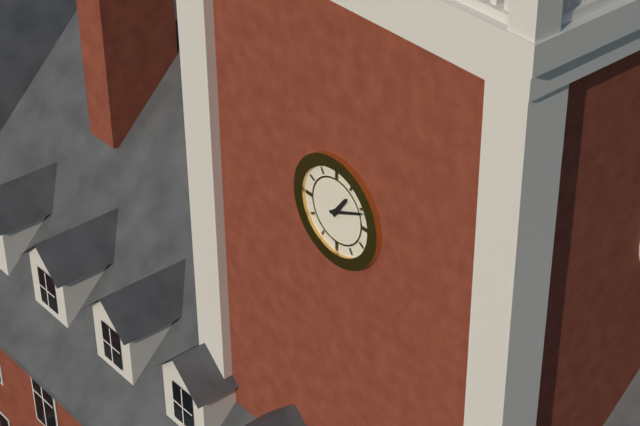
1:11
